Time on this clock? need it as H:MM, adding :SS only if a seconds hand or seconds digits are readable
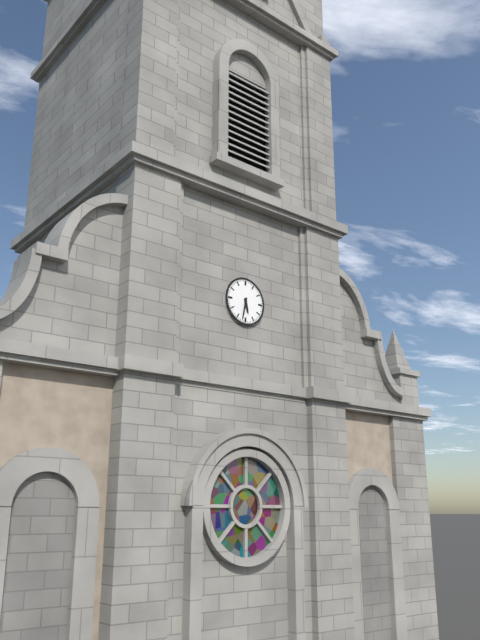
5:32
